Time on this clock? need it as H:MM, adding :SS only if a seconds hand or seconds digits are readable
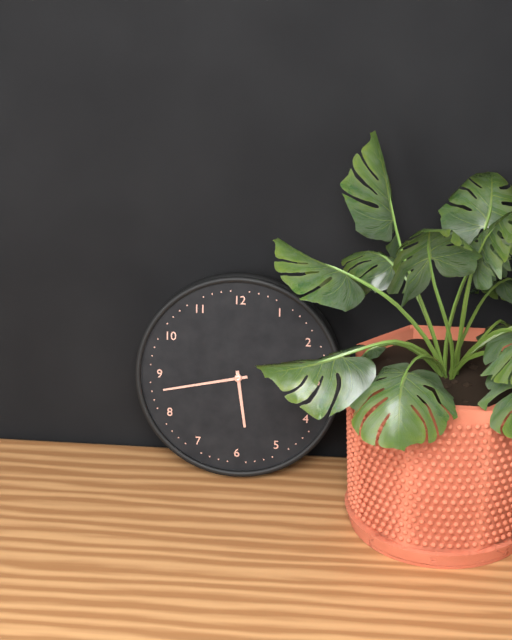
5:43
